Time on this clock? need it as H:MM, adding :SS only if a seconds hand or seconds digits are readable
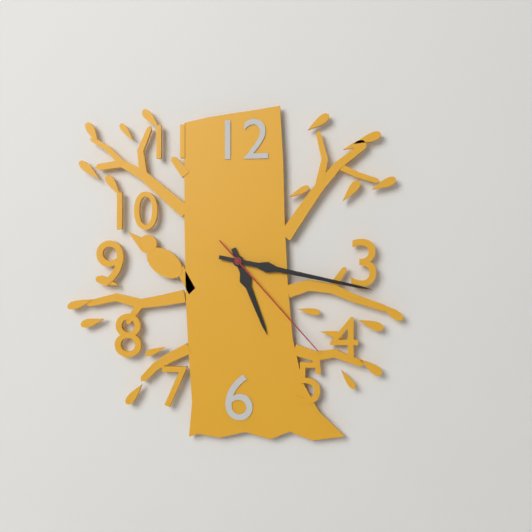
5:17:23
